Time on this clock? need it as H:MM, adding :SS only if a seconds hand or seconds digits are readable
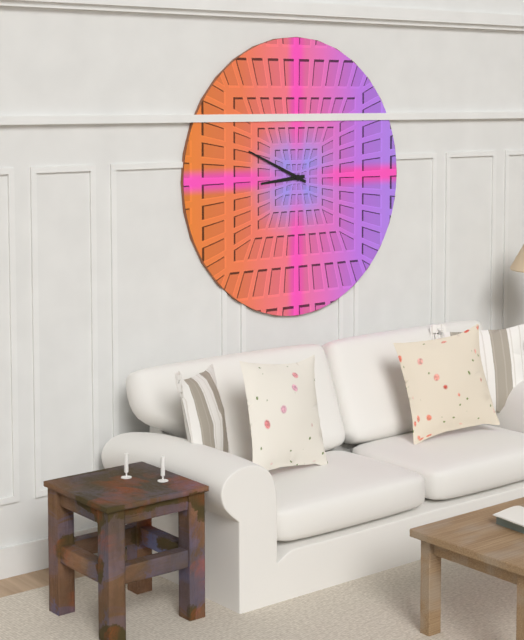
8:49
